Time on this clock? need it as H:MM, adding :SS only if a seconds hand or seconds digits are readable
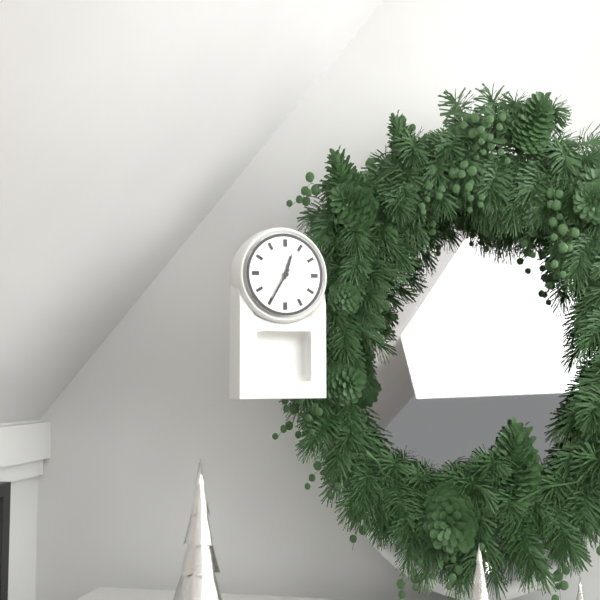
12:35
